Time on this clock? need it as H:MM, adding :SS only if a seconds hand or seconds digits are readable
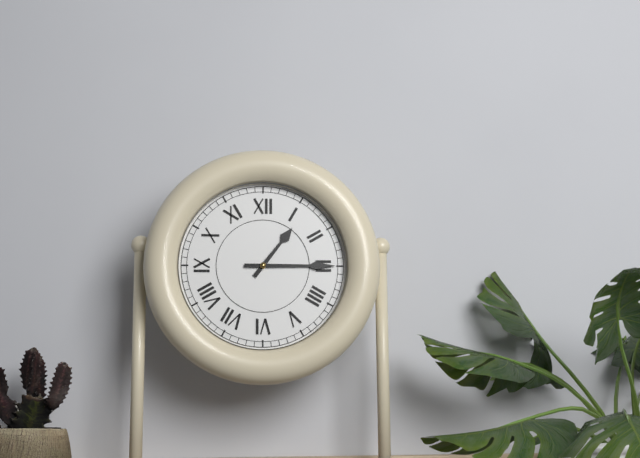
1:15
